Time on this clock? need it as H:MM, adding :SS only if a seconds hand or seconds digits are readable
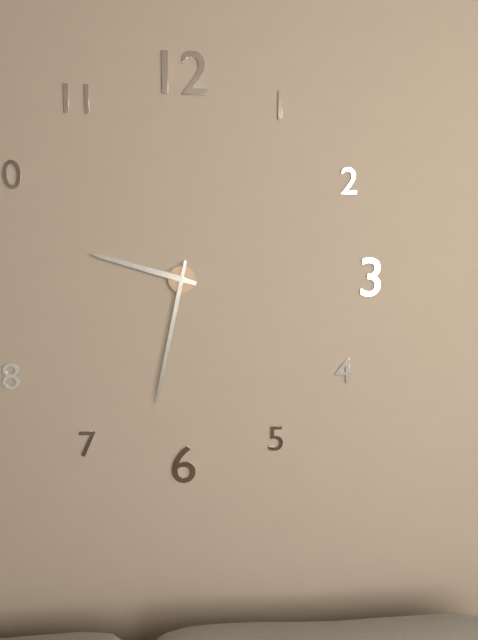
9:32
